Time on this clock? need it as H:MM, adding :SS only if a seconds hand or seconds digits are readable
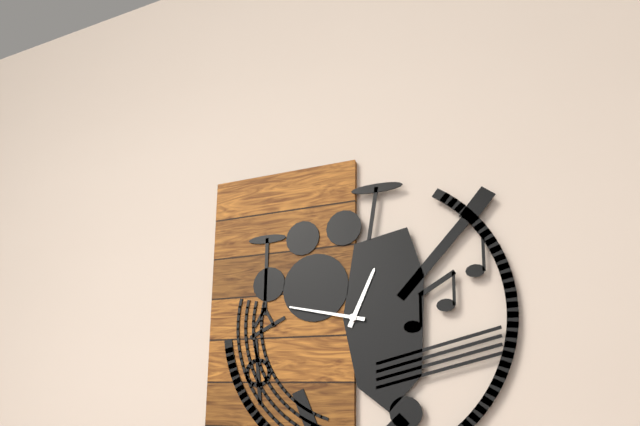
12:47
